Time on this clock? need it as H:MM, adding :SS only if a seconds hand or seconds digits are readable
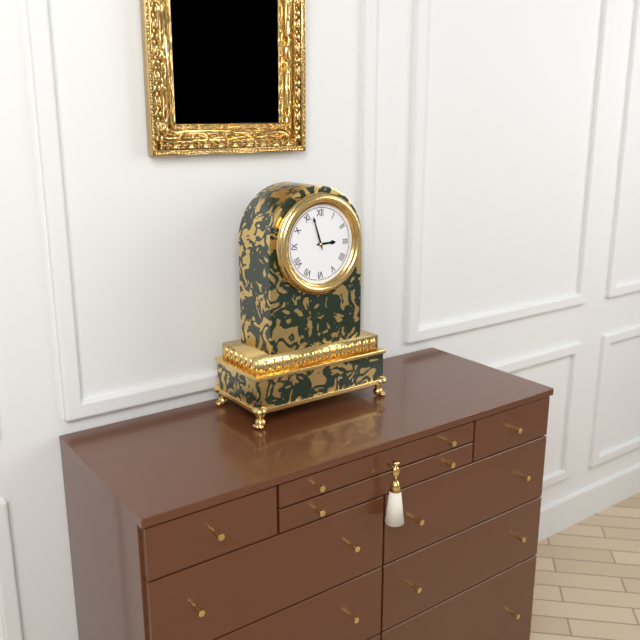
2:57
